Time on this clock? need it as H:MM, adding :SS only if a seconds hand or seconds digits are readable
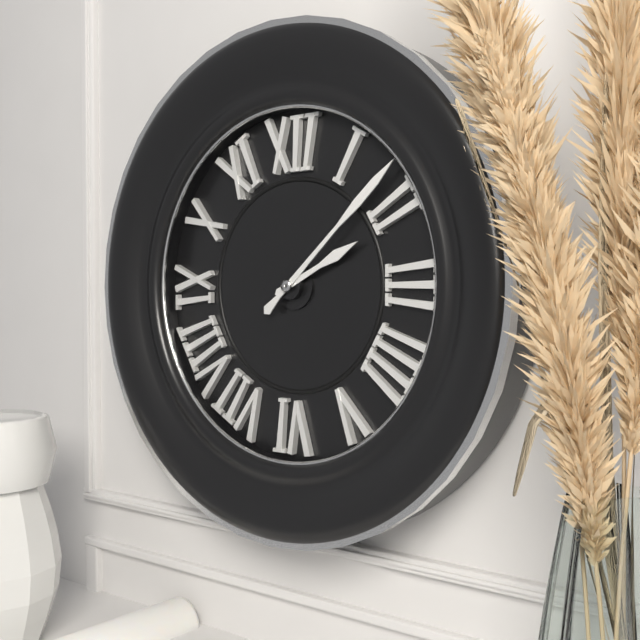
2:08
